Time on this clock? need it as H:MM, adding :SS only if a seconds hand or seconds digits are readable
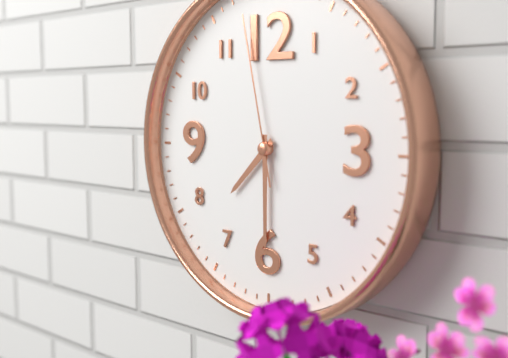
7:30:58
